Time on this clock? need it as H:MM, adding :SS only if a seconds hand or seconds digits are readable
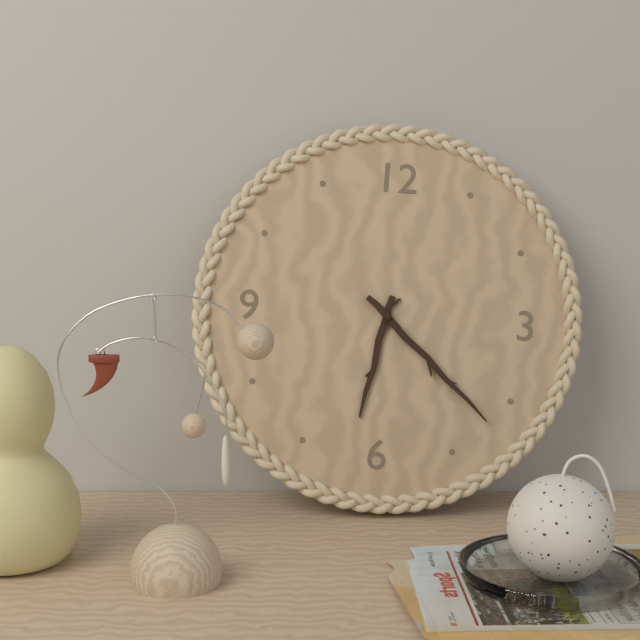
6:22
